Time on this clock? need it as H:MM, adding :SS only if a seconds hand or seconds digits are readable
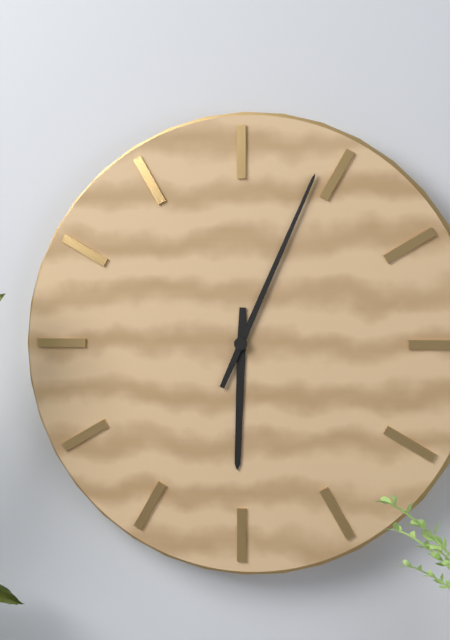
6:04
